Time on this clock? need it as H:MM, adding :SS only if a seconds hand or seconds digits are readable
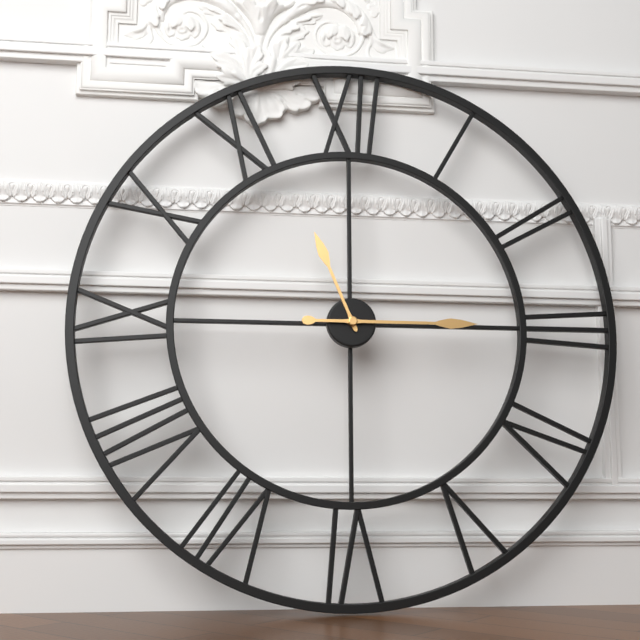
11:15
